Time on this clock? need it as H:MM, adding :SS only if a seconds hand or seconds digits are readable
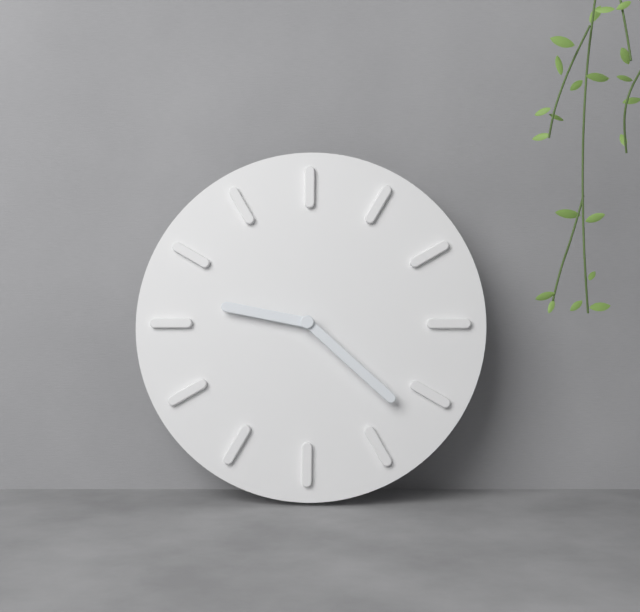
9:22
